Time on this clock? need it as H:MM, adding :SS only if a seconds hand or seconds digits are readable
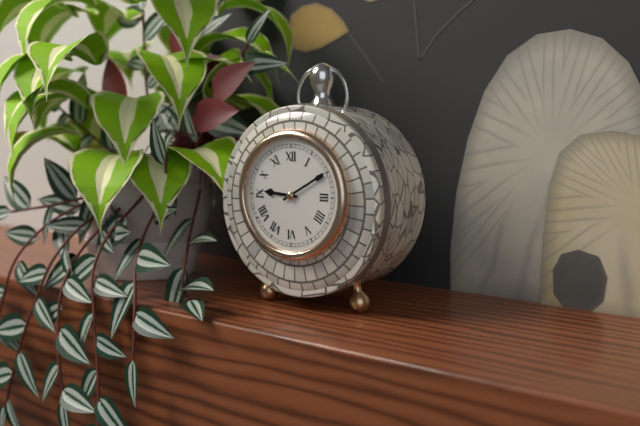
9:10
